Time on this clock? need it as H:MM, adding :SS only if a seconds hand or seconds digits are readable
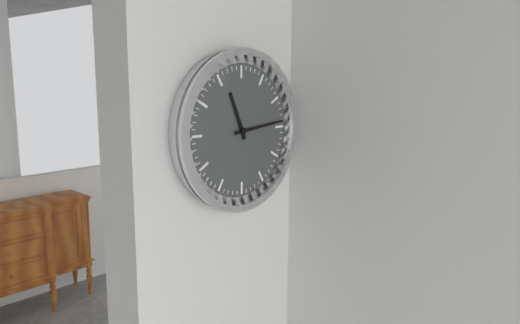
11:14
